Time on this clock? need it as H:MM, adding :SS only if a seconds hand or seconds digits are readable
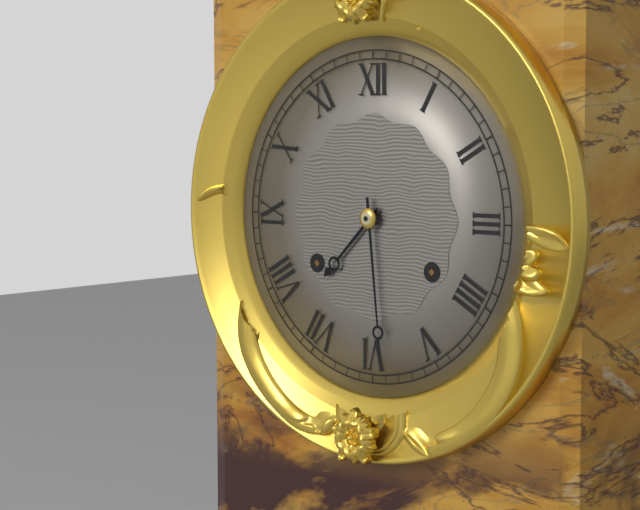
7:29
